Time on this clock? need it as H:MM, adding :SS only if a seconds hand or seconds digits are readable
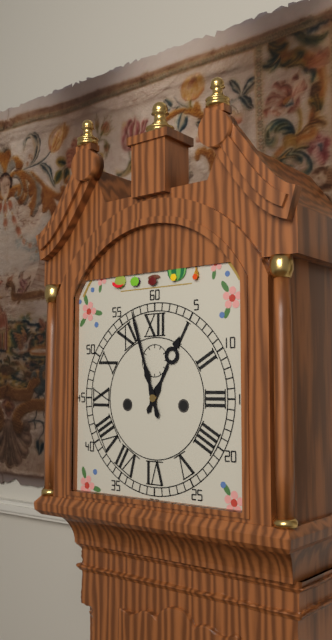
12:57
